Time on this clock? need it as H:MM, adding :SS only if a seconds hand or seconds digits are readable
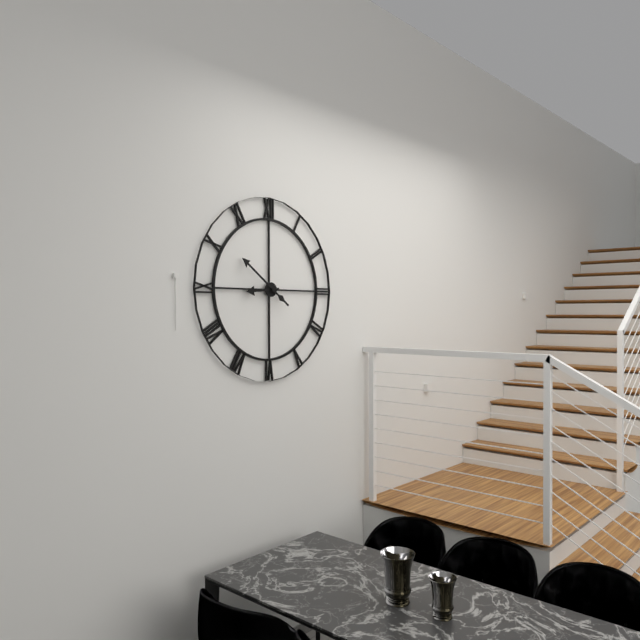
8:51
